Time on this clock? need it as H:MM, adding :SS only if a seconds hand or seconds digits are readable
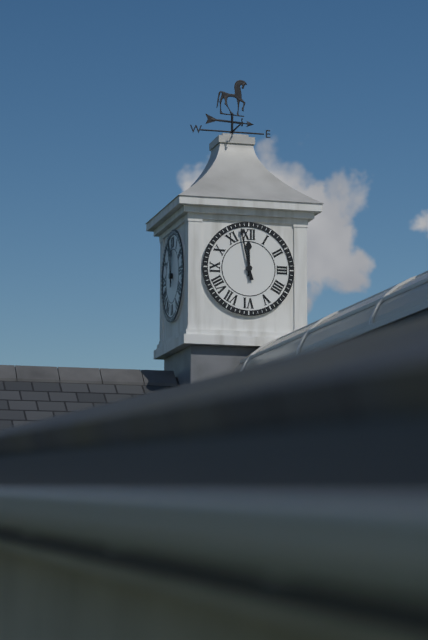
11:58
